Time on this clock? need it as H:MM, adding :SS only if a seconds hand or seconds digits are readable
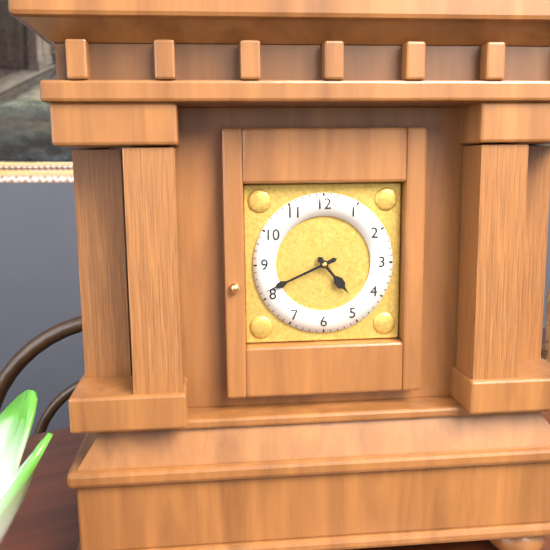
4:41
